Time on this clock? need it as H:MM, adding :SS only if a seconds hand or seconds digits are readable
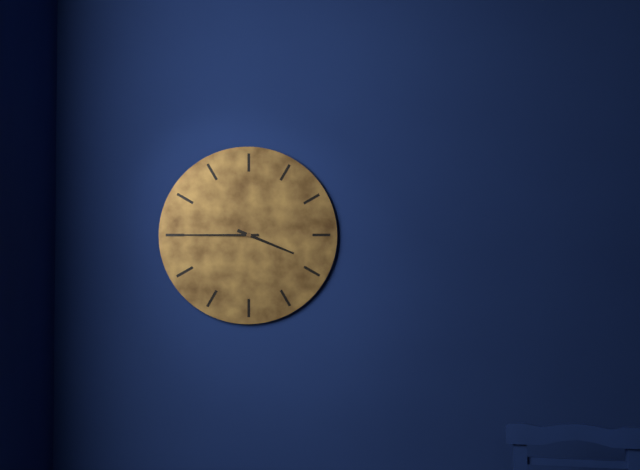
3:45
